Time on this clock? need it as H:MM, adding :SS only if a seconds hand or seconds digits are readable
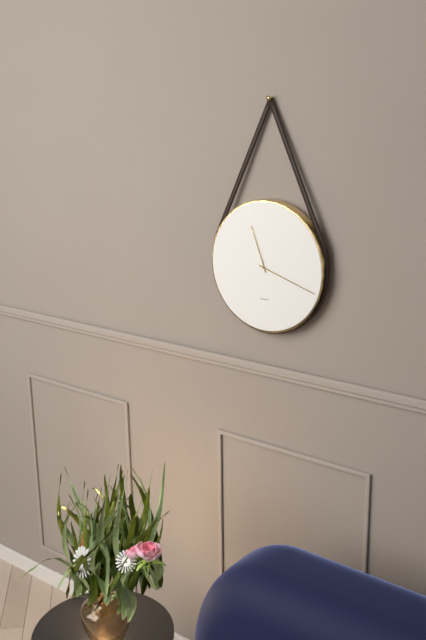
11:18
